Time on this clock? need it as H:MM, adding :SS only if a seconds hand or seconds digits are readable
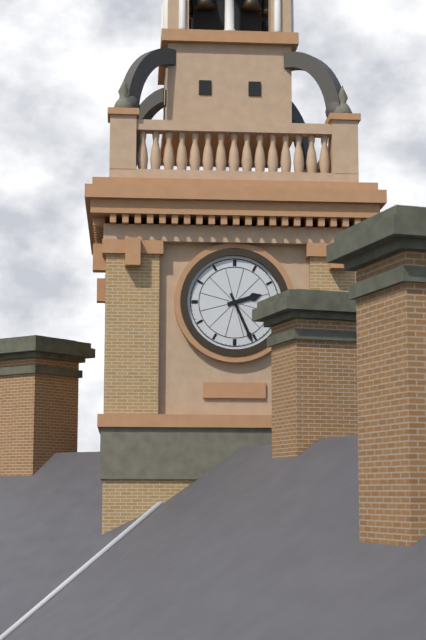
2:26
